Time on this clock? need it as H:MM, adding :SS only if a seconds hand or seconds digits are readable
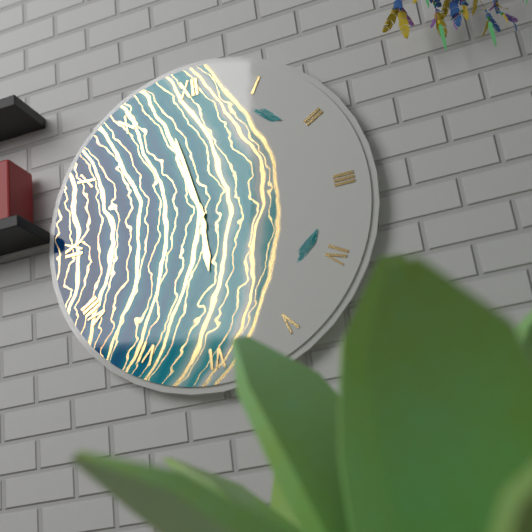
5:58
